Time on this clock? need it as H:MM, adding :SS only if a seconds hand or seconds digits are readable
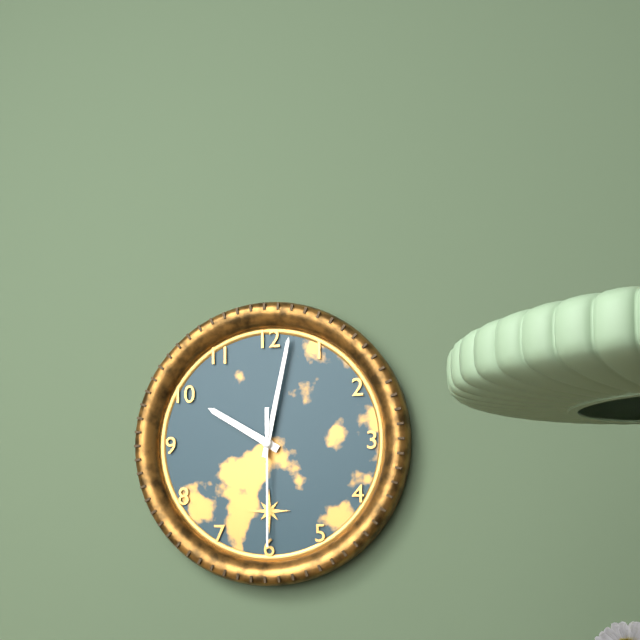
10:02:30
